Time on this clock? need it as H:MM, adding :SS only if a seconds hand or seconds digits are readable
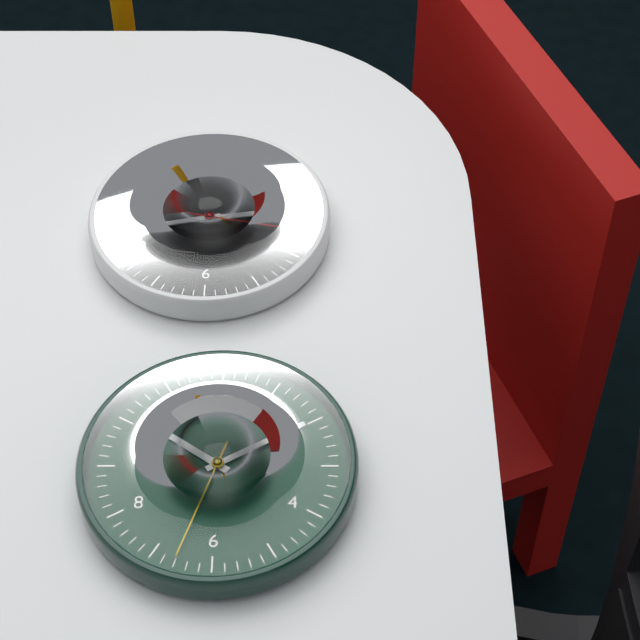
2:43:17
